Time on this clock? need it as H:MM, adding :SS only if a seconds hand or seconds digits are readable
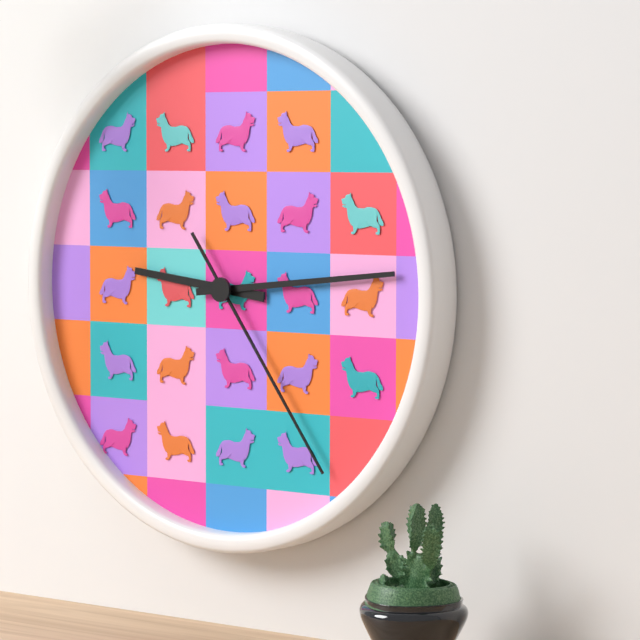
9:14:24
